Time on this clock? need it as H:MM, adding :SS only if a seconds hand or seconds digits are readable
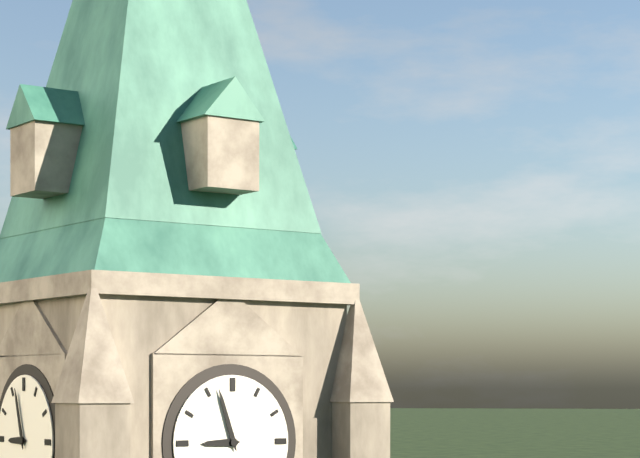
8:57
